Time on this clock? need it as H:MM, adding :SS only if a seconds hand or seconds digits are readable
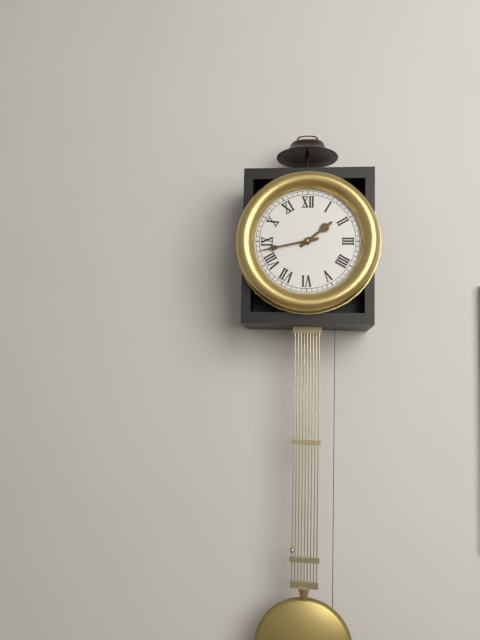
1:43
